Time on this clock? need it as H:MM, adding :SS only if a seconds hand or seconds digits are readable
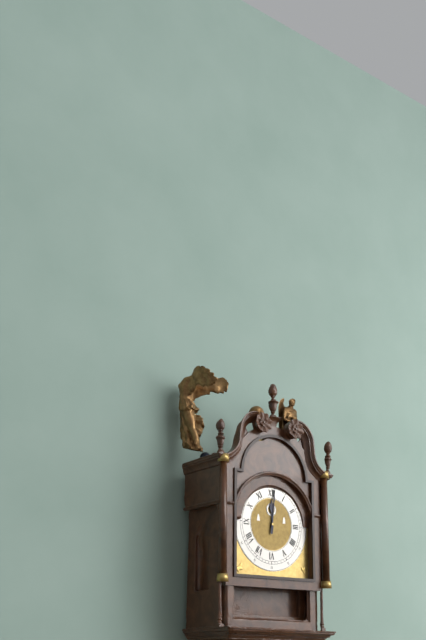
12:01
